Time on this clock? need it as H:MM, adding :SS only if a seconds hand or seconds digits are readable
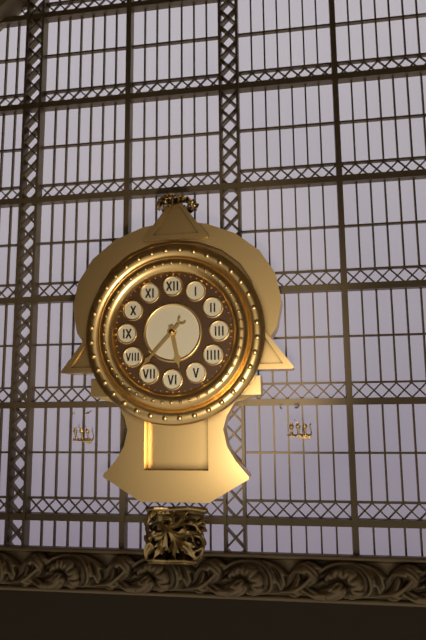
5:37
